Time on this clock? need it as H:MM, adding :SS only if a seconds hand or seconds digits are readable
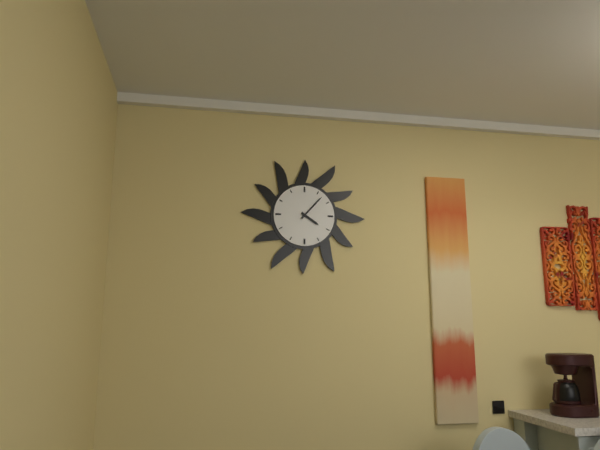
4:07
